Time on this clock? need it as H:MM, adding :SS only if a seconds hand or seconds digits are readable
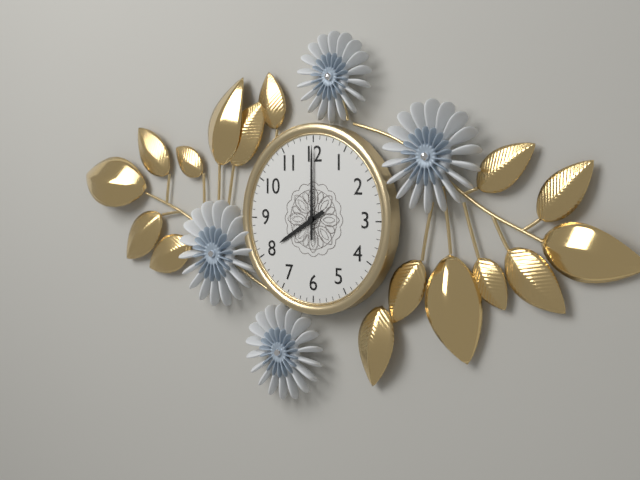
8:00
